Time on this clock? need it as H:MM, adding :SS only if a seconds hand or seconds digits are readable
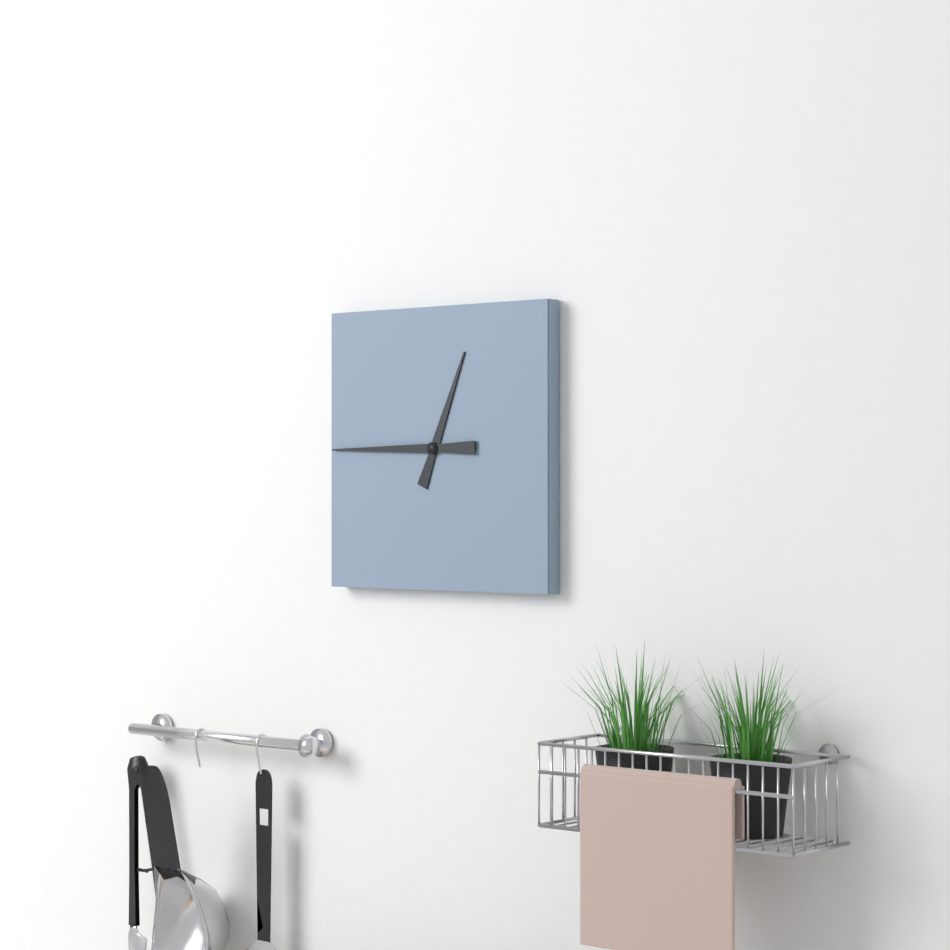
12:45
